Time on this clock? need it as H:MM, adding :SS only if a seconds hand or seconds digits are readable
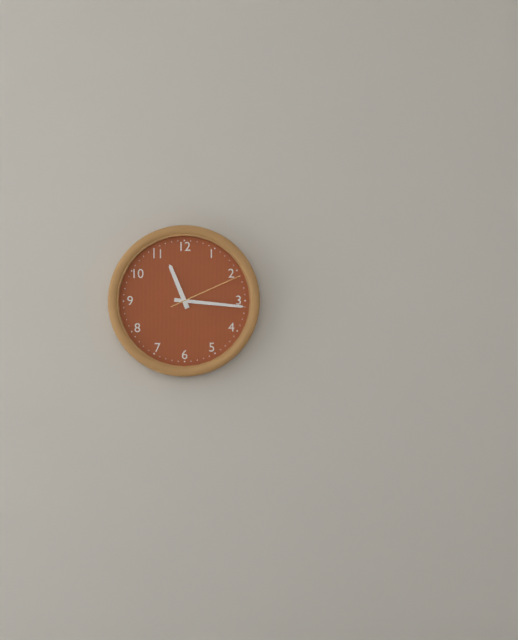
11:16:11
